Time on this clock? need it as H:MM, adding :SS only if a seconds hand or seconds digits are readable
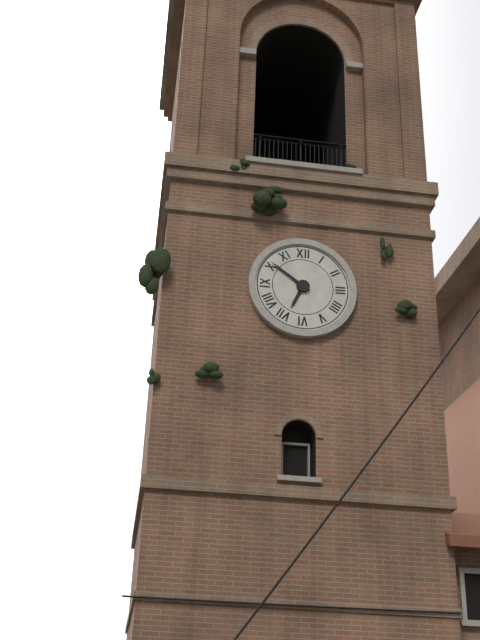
6:51
